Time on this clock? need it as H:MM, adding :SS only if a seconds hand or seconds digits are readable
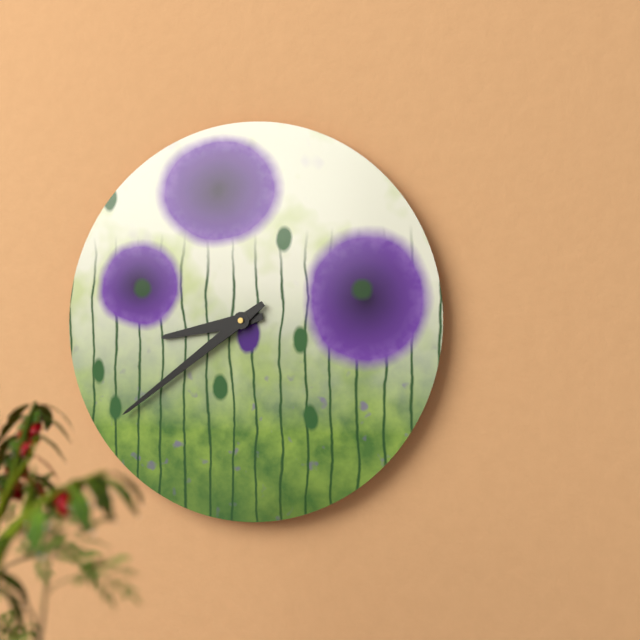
8:39
